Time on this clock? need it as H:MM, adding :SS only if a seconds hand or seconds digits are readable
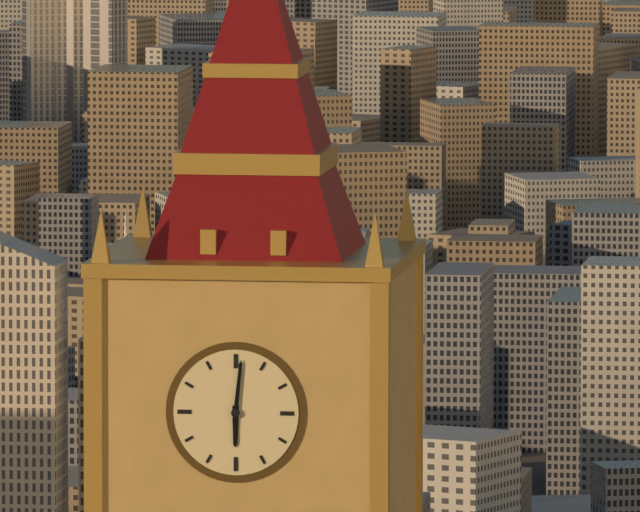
6:01
